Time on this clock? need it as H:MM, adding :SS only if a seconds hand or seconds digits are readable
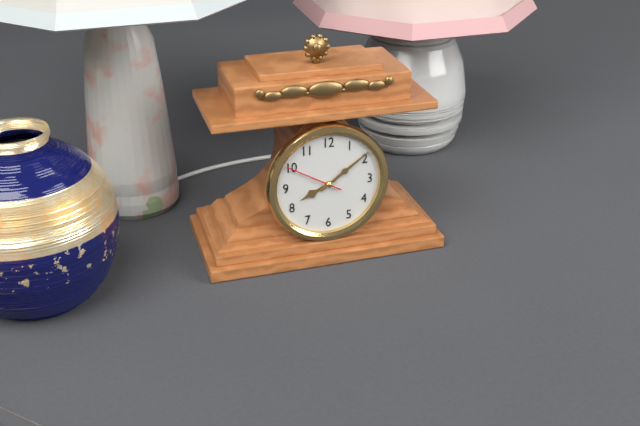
8:09:50
